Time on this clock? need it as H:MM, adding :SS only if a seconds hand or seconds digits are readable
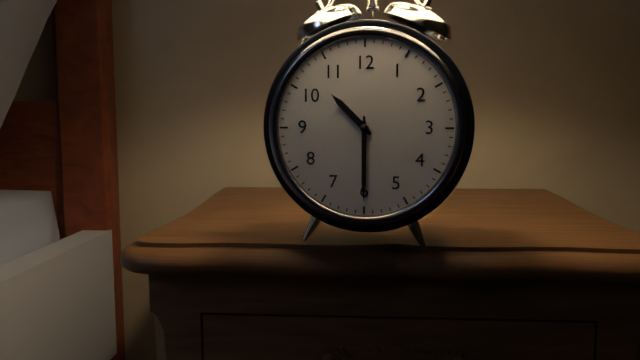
10:30
